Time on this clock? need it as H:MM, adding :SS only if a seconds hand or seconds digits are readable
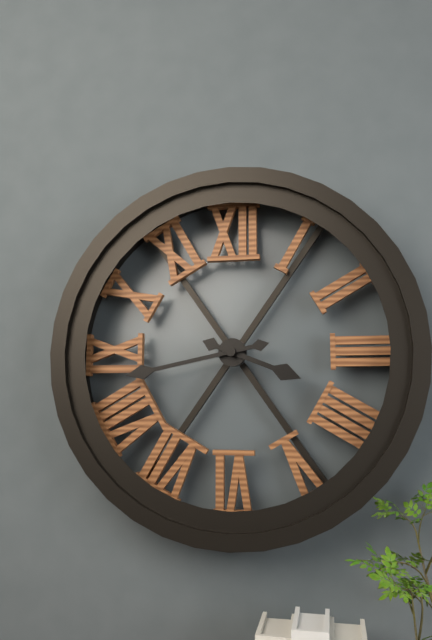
3:43
